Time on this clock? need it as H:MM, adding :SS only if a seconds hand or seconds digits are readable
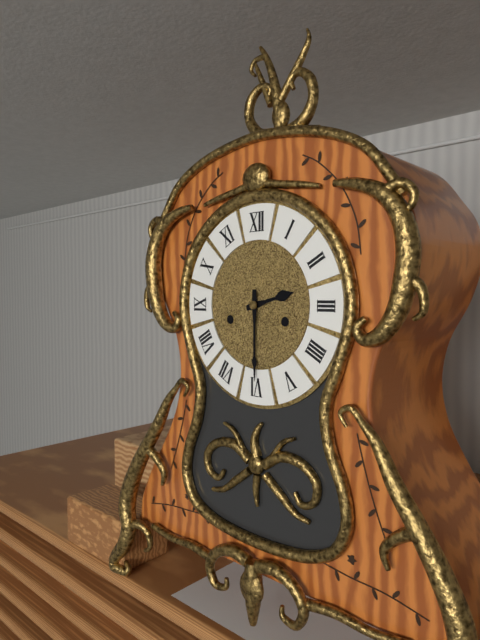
2:30
